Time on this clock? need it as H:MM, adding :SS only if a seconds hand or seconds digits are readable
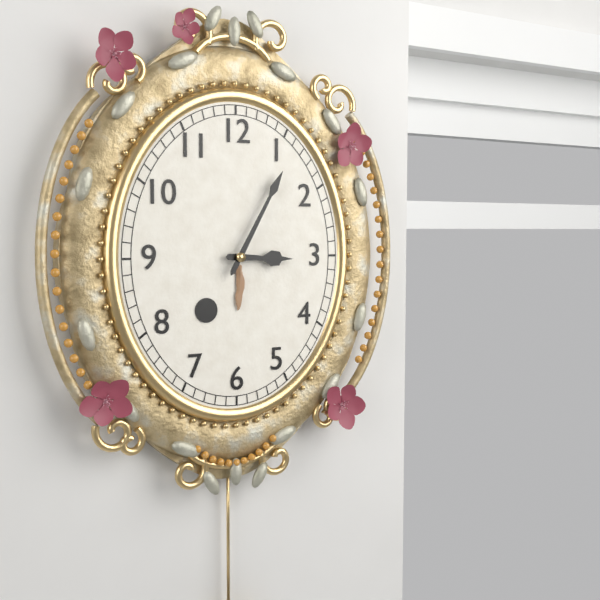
3:05
